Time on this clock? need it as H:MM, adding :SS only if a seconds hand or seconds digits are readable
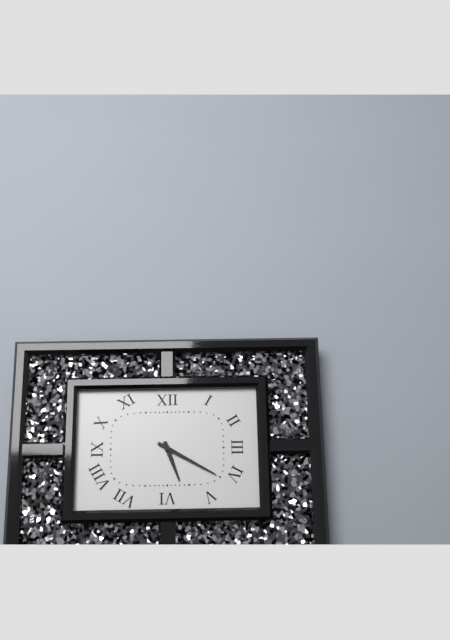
5:20
